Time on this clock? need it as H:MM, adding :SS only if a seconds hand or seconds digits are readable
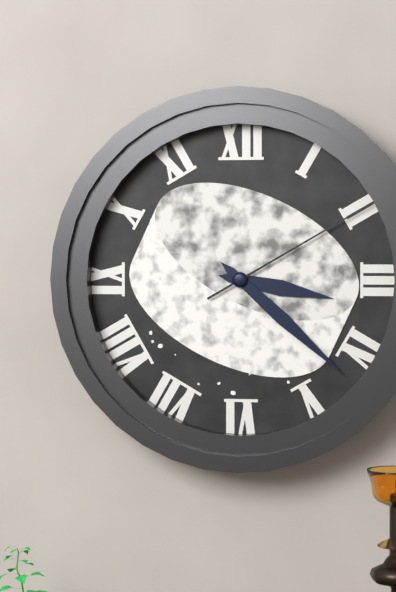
3:22:10
